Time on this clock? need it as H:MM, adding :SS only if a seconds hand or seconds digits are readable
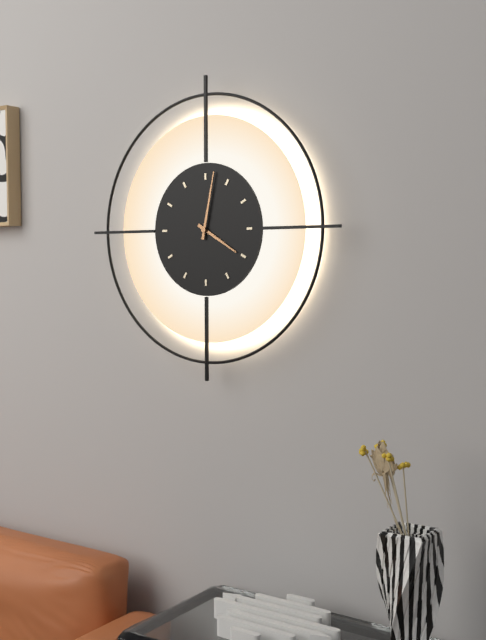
4:02
